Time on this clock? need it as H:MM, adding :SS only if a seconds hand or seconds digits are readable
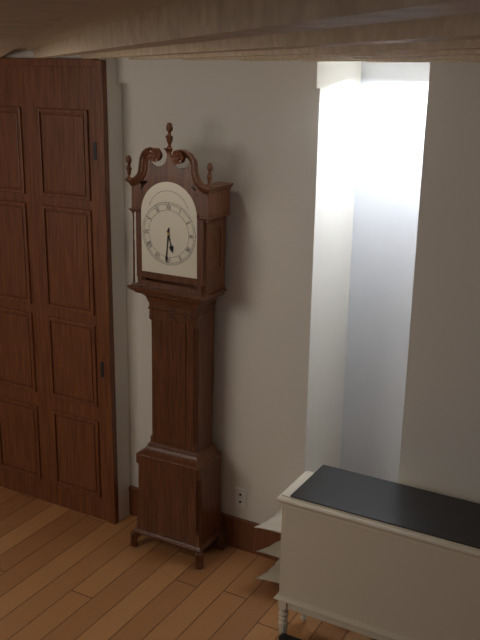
5:31
